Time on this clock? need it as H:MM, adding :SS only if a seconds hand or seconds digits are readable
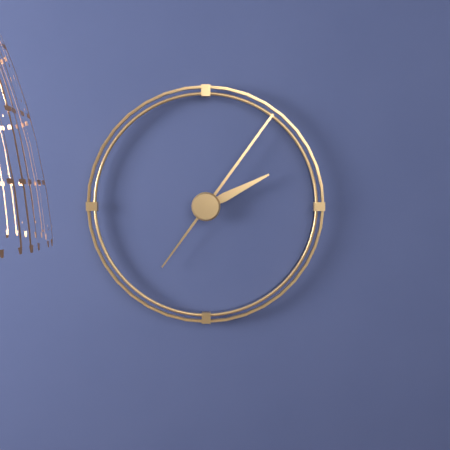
2:06
